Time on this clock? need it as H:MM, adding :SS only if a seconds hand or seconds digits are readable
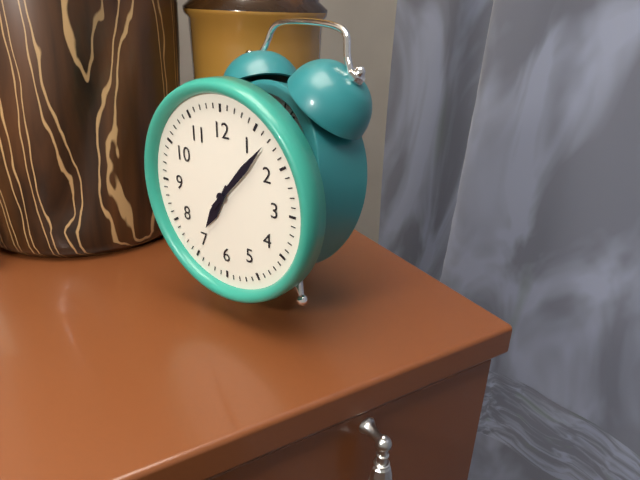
7:07
